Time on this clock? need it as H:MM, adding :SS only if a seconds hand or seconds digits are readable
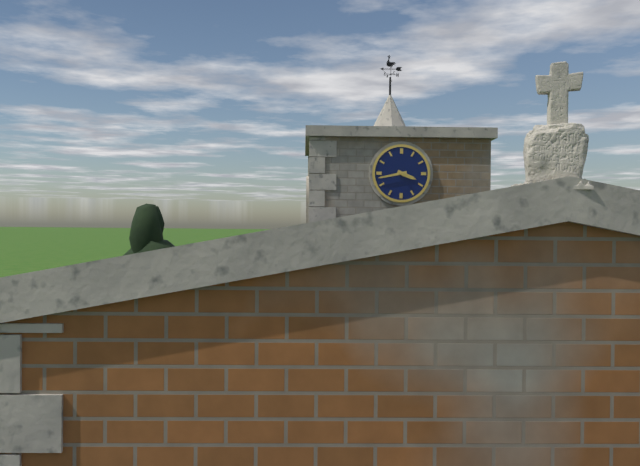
3:43
